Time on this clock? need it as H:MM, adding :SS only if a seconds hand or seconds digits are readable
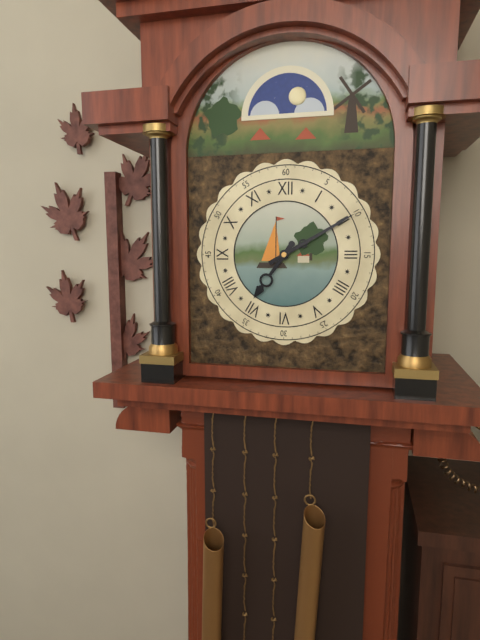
7:10
